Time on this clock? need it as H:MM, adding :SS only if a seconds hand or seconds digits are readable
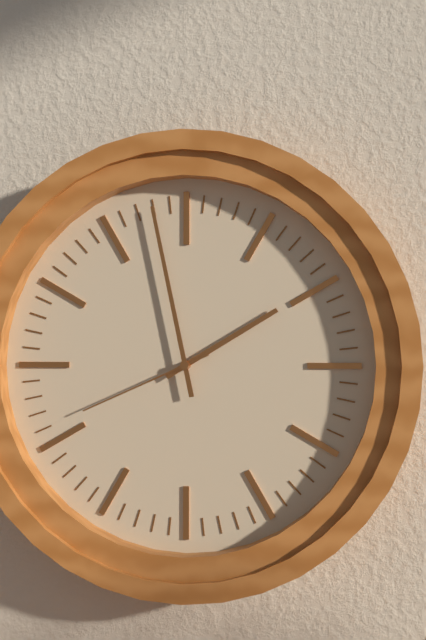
1:58:41
